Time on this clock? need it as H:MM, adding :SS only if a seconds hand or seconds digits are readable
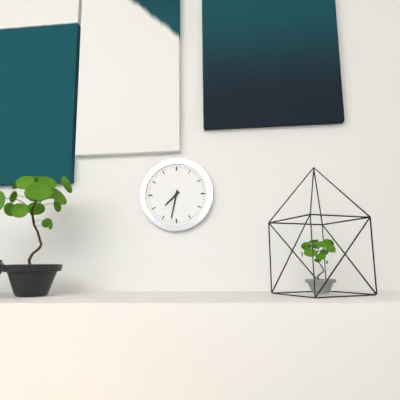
7:32
